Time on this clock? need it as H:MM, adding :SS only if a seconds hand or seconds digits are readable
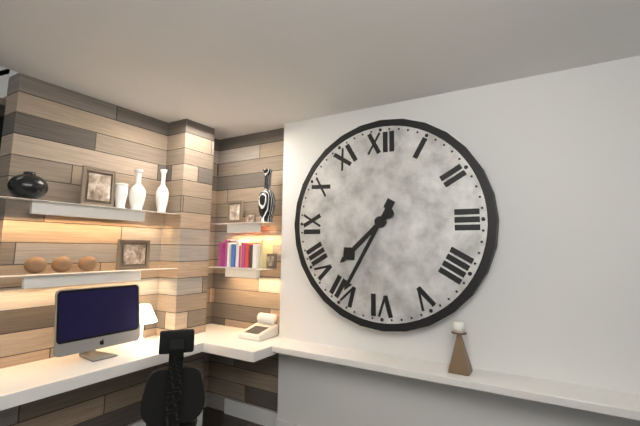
7:35
